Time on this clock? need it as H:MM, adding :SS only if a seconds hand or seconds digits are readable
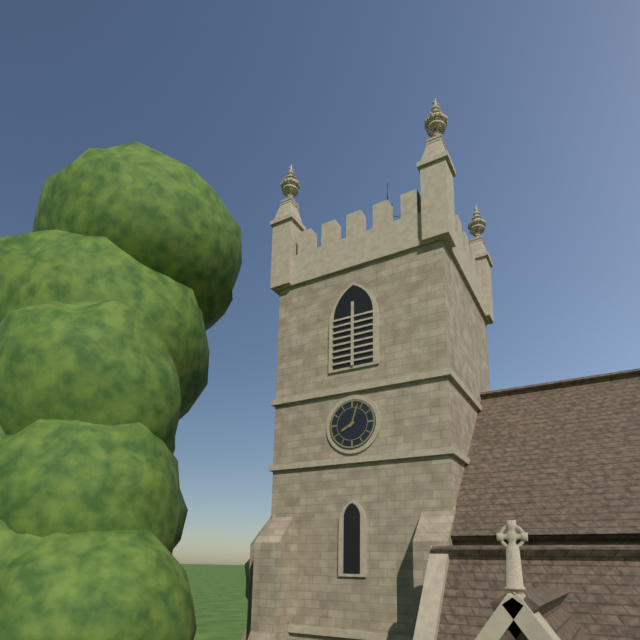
8:03
